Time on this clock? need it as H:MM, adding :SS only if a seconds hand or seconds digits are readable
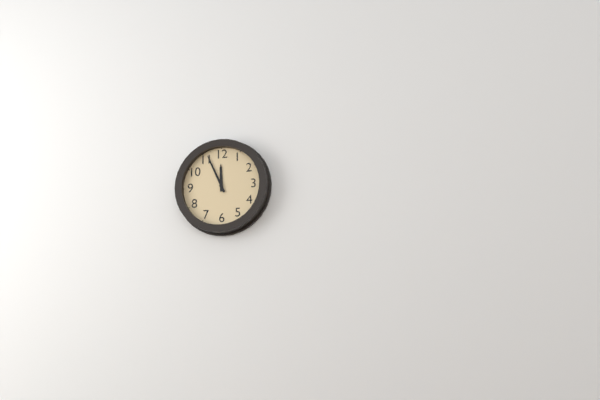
11:56
